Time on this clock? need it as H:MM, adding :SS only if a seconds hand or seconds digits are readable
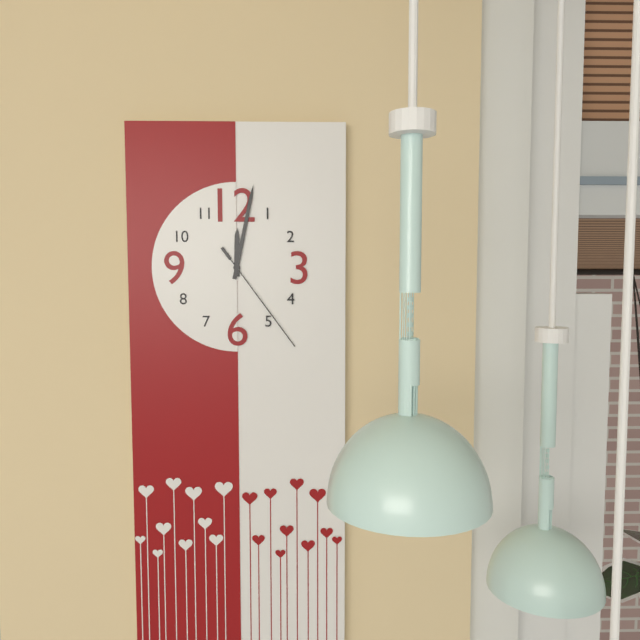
12:02:24
